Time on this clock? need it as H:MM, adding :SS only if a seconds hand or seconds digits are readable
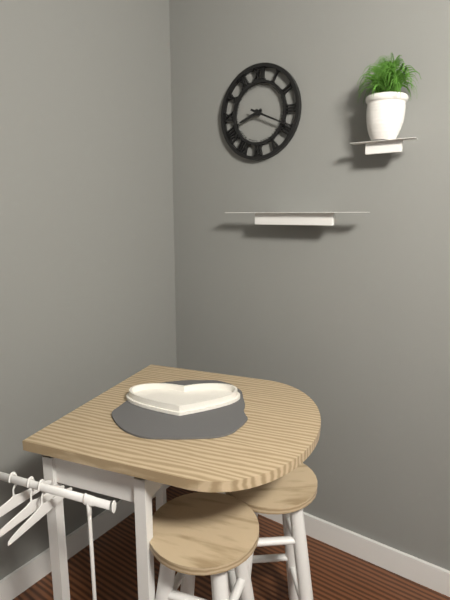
8:19
